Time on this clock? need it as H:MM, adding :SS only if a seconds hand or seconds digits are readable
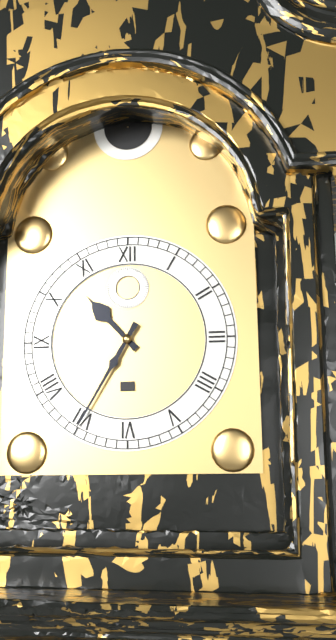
10:35
